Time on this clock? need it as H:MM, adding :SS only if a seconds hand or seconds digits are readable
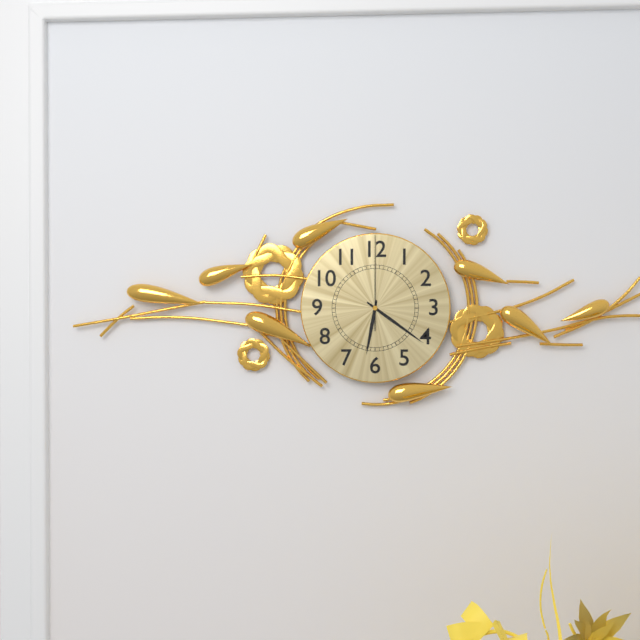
6:21:00
